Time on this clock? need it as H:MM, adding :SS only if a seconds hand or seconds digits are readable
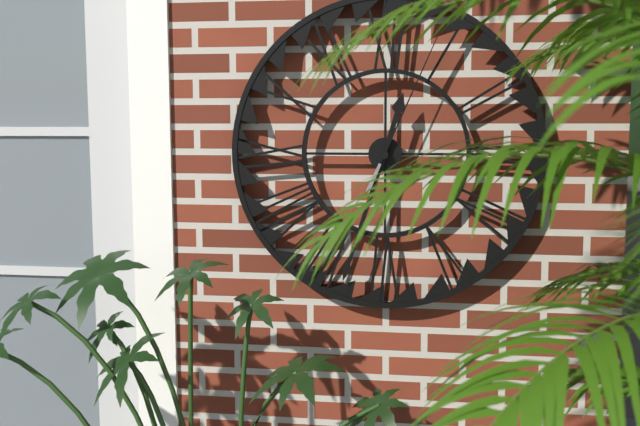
12:33:04
